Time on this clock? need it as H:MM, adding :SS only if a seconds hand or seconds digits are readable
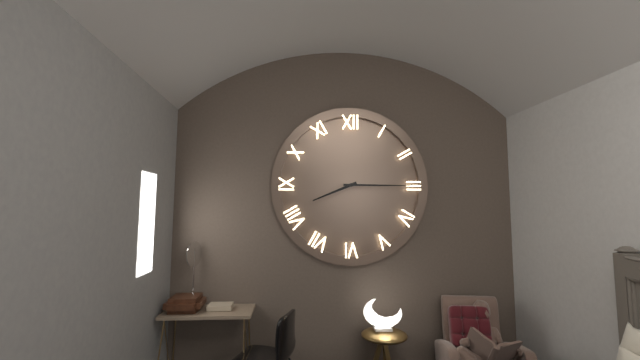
8:15
